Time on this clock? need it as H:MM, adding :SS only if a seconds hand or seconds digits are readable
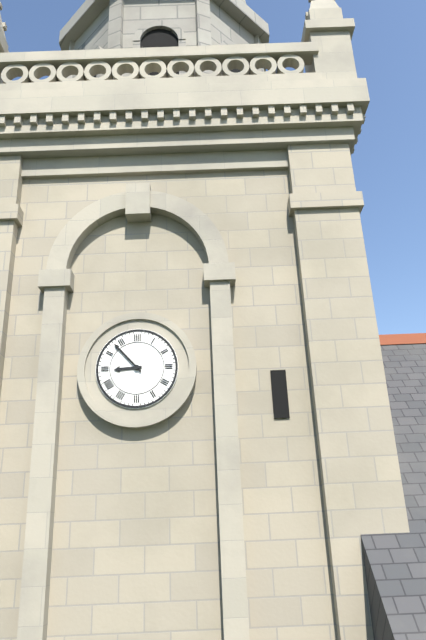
8:53
